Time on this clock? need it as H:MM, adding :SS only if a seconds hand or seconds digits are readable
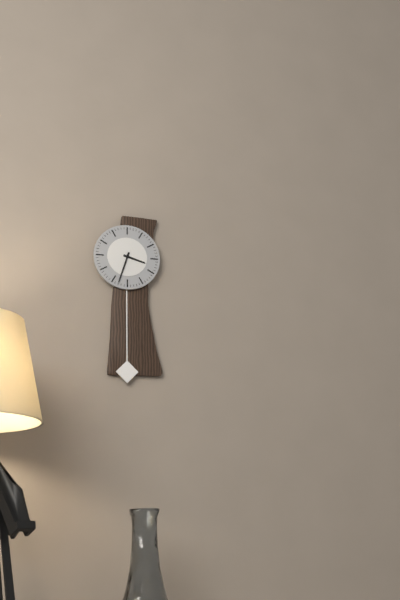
3:33
